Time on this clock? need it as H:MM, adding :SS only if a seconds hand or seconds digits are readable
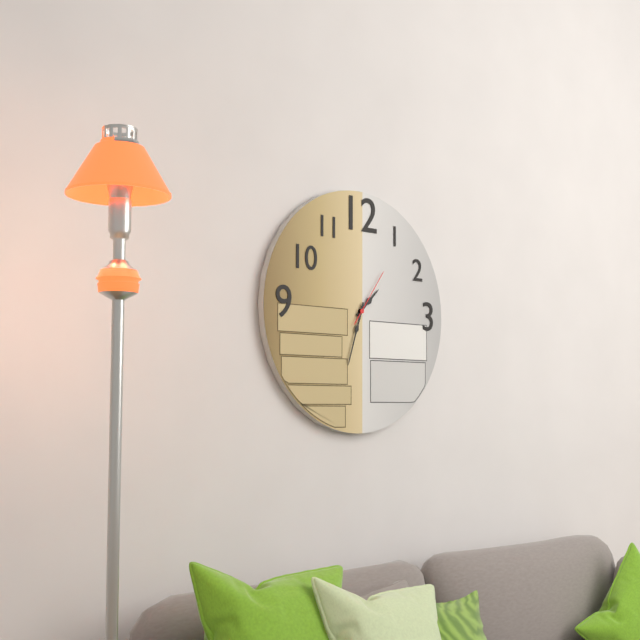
1:33:06
